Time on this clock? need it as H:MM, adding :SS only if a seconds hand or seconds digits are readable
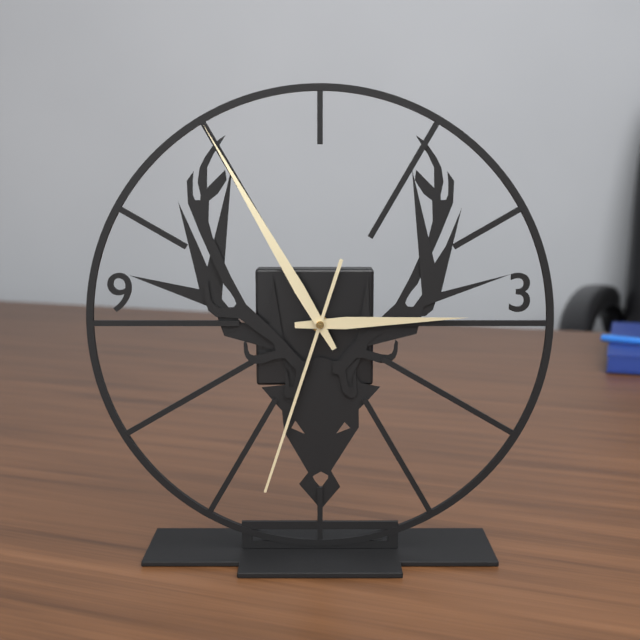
2:55:33
